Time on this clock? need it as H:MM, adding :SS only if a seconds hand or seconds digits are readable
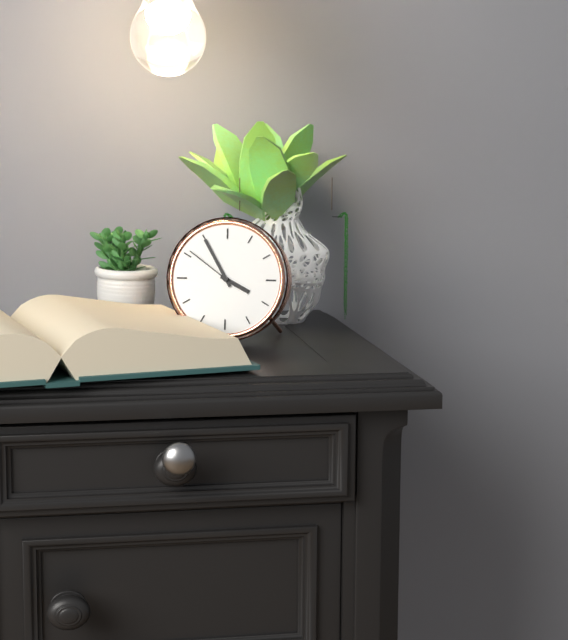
3:55:51
